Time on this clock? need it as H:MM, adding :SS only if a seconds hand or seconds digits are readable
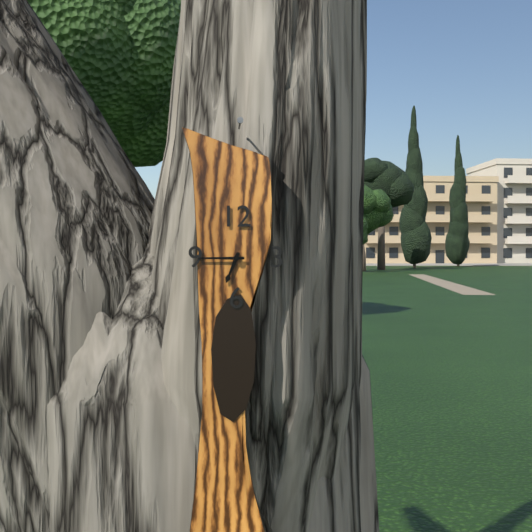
6:45
